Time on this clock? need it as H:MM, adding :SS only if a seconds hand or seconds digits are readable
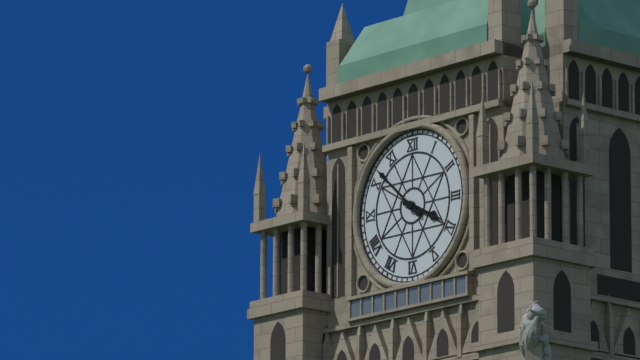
3:52
